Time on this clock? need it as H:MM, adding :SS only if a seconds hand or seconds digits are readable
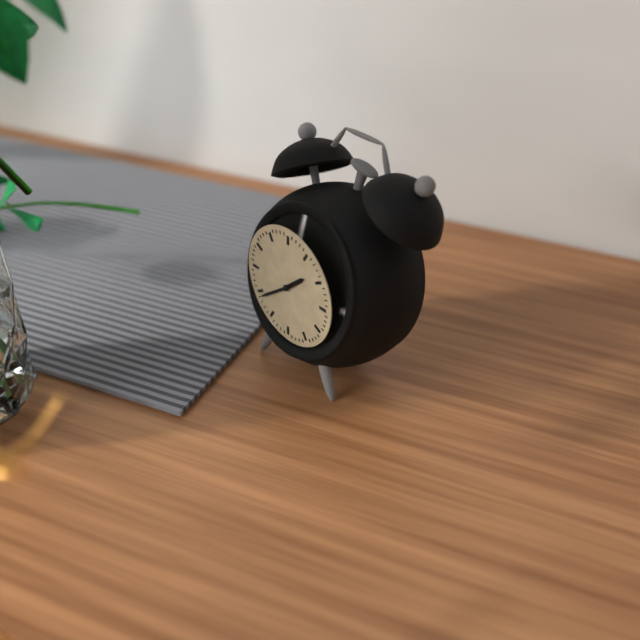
1:39
